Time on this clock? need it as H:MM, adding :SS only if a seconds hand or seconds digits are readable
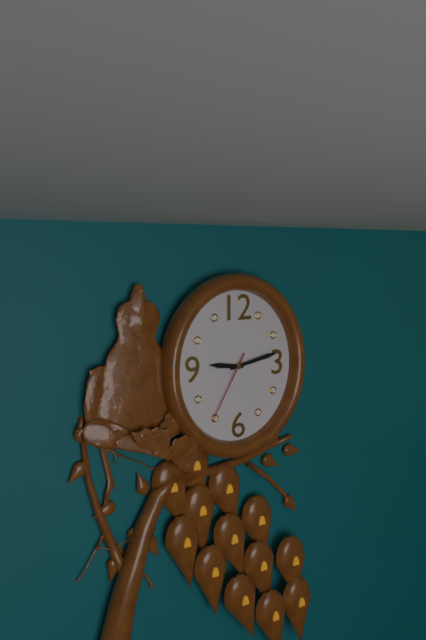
9:13:35
